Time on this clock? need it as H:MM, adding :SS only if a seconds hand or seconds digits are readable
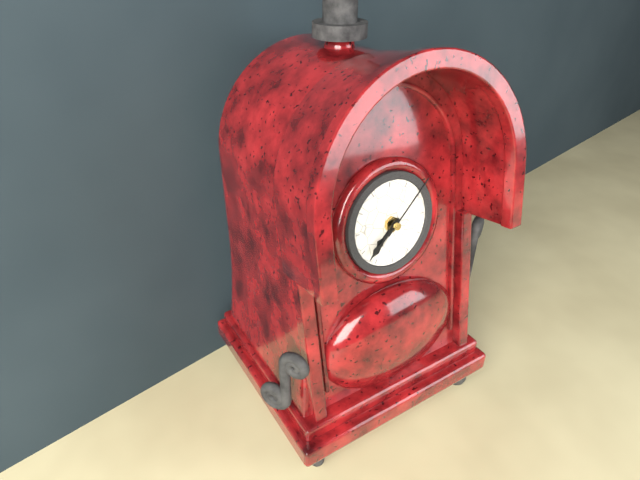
7:38:08
